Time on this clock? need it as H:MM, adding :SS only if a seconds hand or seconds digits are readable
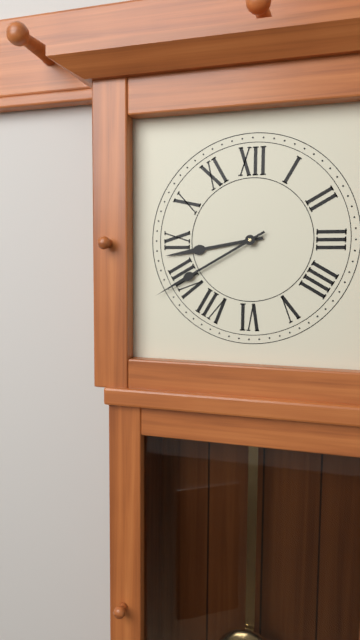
8:40
